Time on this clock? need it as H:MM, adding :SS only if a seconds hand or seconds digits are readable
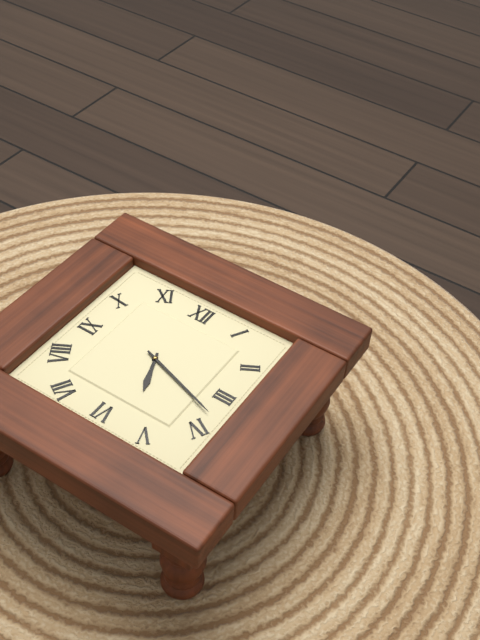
5:18
